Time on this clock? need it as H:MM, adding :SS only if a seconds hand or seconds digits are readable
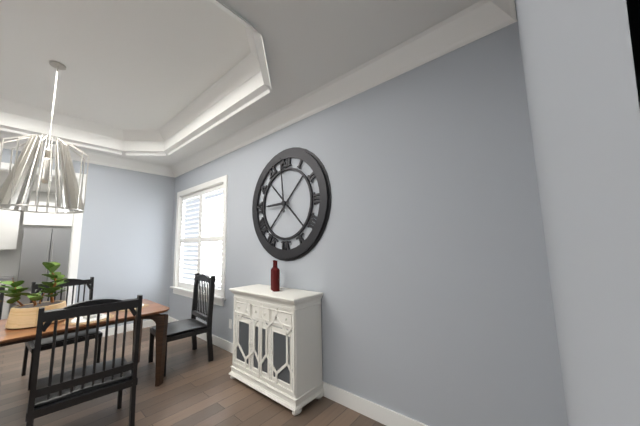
8:59
